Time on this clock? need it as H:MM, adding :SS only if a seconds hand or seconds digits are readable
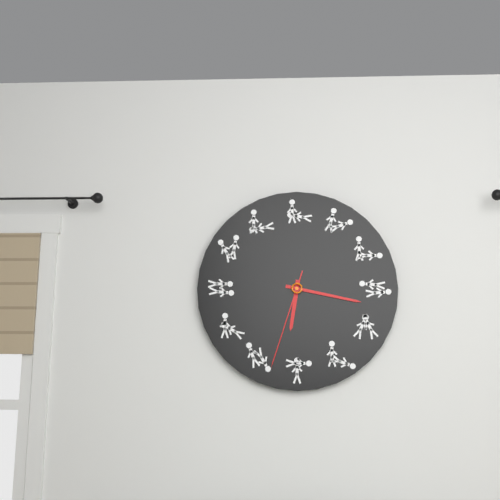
6:17:33
